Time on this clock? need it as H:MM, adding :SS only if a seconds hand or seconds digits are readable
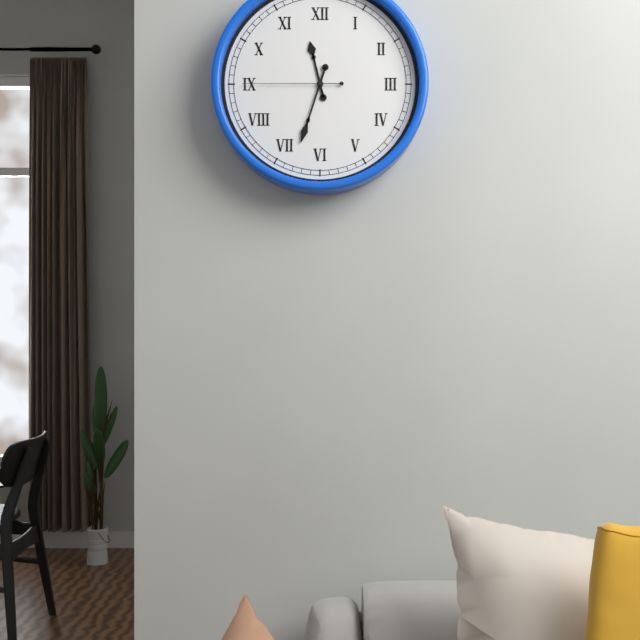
11:33:45
